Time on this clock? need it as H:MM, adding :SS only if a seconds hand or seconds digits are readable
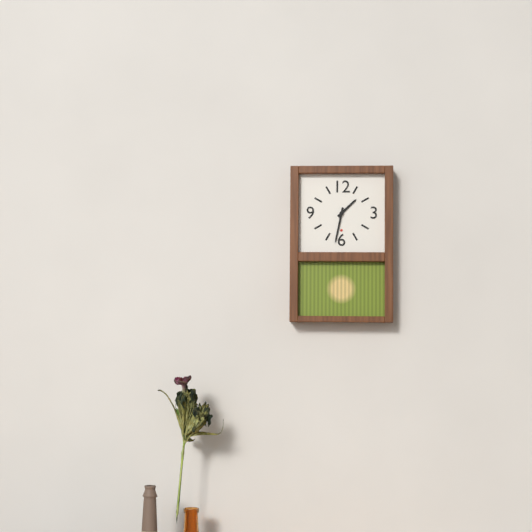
1:32
